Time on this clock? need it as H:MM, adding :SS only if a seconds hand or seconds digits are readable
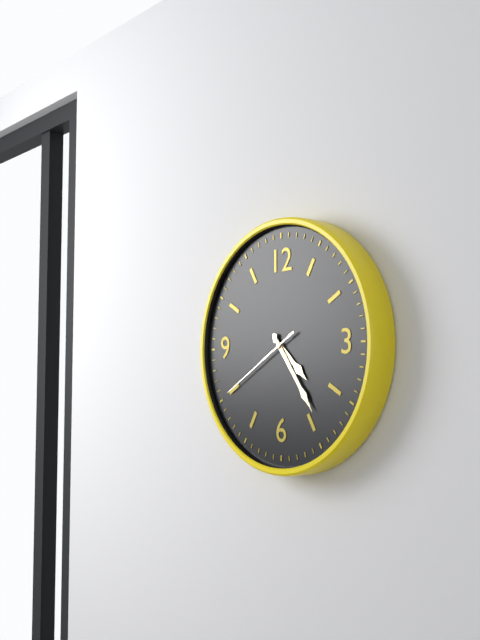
4:24:40
